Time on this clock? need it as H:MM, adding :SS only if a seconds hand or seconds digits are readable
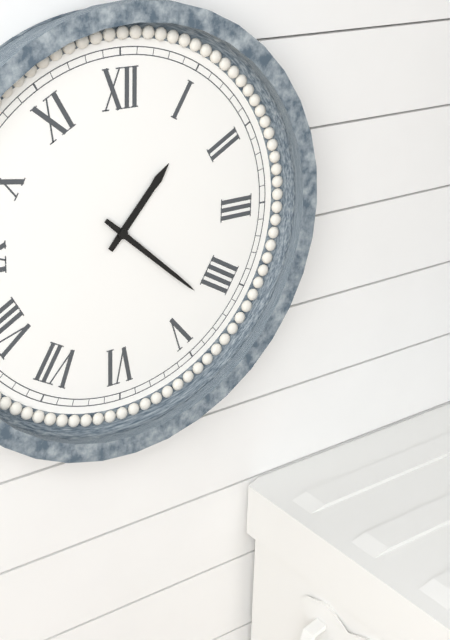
1:22
